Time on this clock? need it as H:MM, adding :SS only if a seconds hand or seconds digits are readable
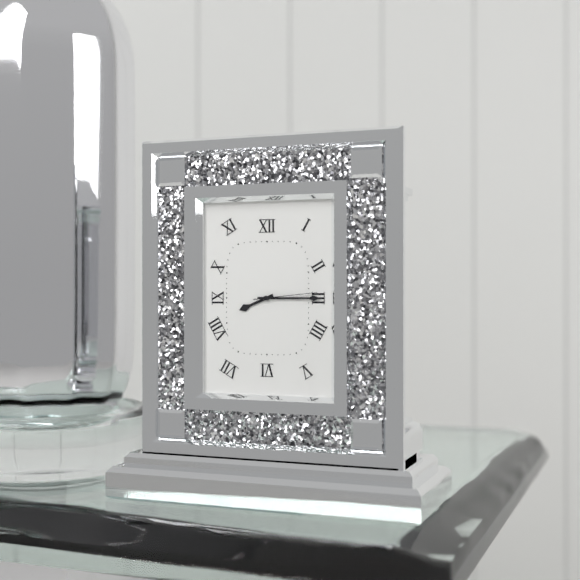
8:15:14
